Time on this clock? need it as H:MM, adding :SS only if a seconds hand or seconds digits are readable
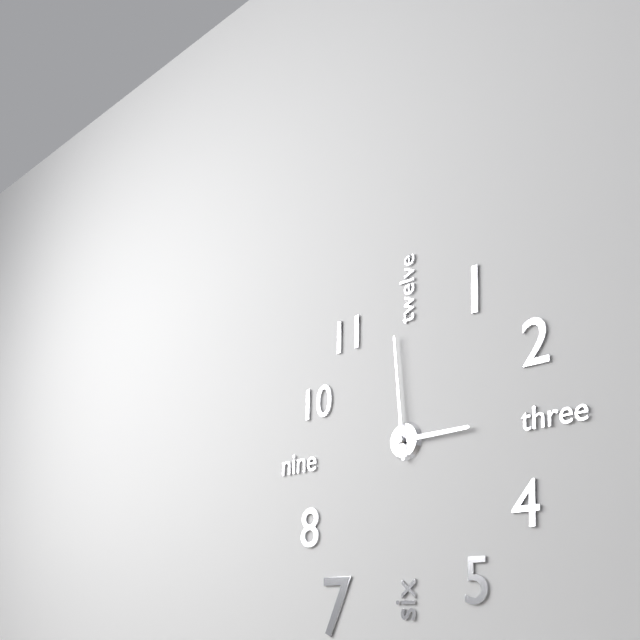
2:59
